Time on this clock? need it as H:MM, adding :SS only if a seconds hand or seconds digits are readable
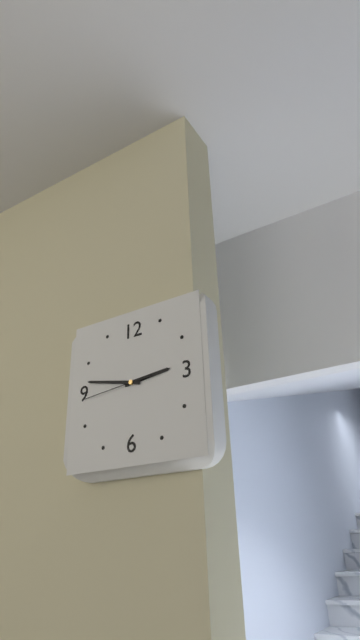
2:47:44
